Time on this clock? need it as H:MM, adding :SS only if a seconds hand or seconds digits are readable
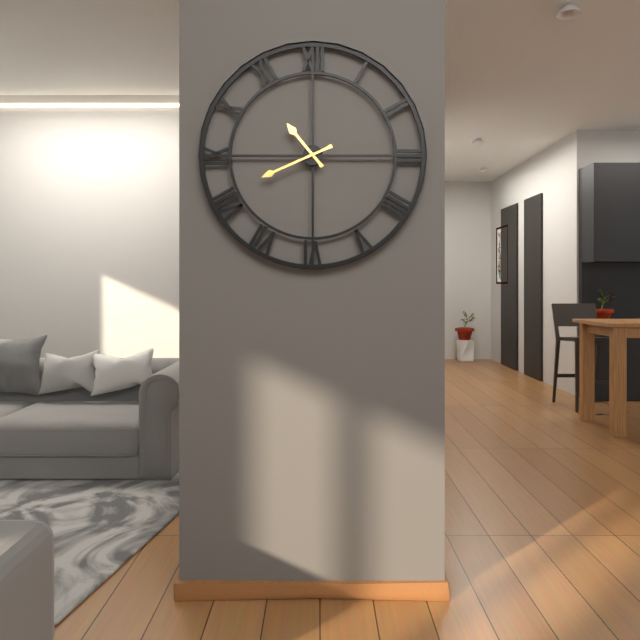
10:41
